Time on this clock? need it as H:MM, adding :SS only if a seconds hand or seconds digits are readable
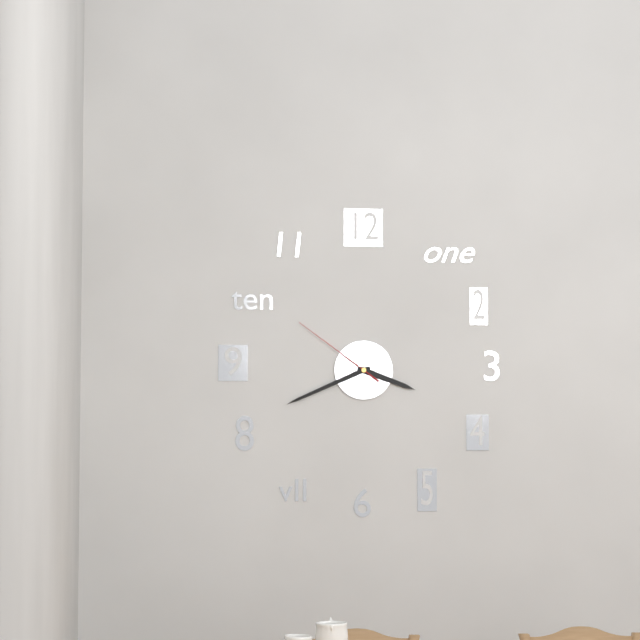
3:41:51
